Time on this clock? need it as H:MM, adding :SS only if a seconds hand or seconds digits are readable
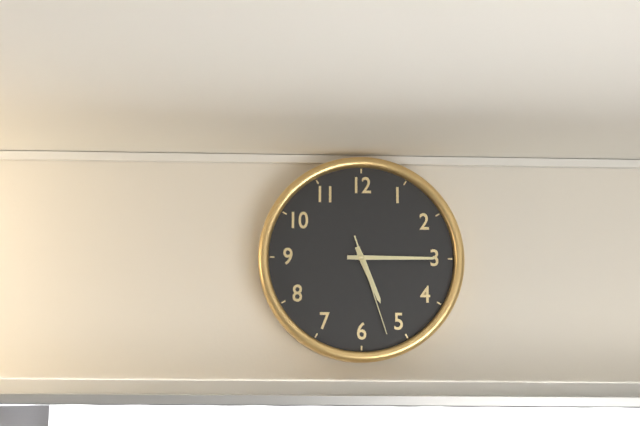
5:15:27
